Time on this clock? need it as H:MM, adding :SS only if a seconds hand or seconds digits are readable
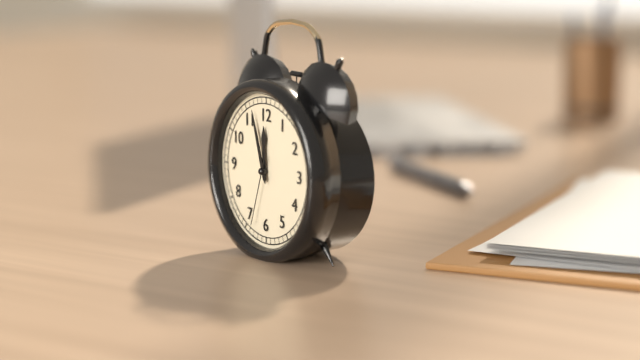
11:57:33
